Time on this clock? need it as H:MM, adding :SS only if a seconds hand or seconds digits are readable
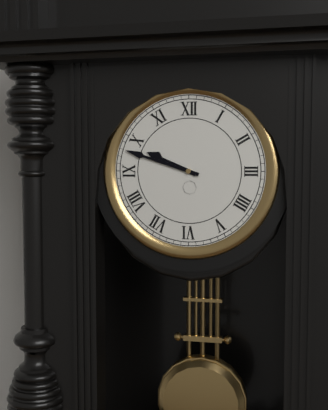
9:48
